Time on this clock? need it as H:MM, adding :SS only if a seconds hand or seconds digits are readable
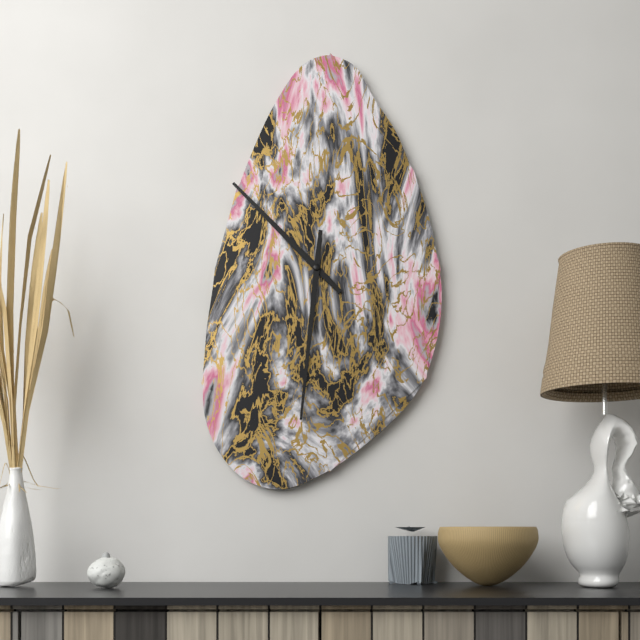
10:31
